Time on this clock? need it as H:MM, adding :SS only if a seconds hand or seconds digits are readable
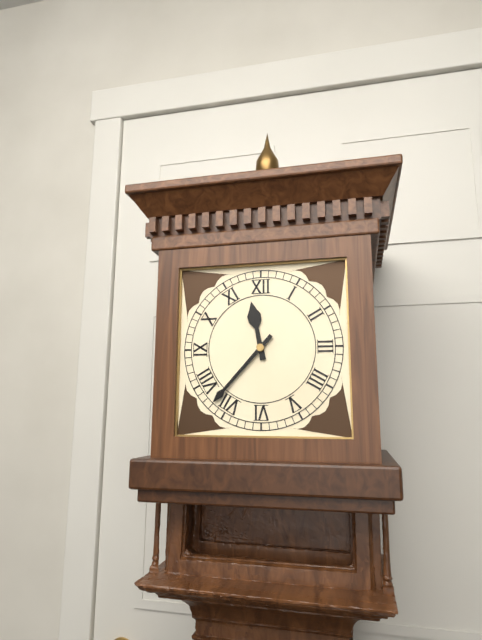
11:37
